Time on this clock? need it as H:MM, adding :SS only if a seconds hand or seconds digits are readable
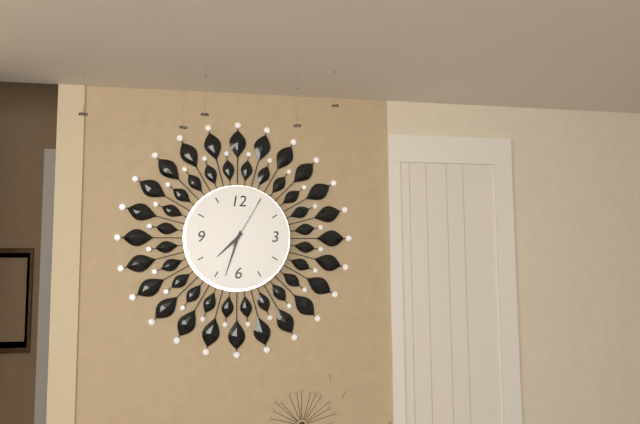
7:33:05
